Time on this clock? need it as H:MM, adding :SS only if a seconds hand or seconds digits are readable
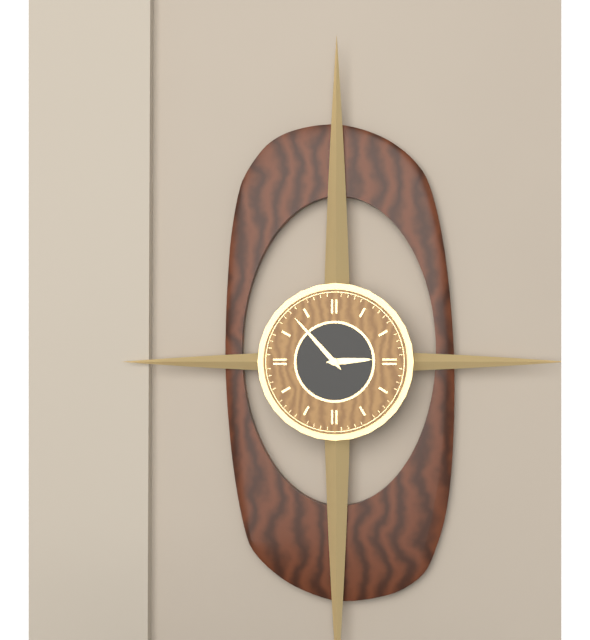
2:53
